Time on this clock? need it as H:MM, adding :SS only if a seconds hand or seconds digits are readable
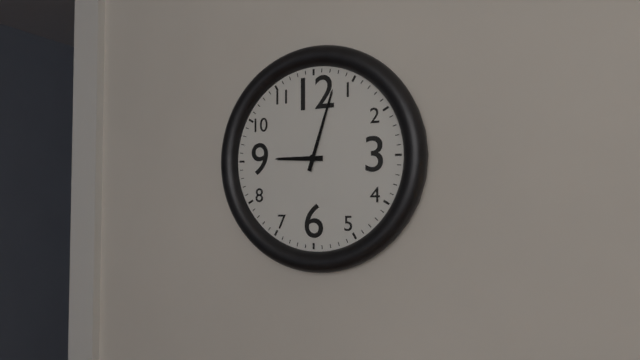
9:03
